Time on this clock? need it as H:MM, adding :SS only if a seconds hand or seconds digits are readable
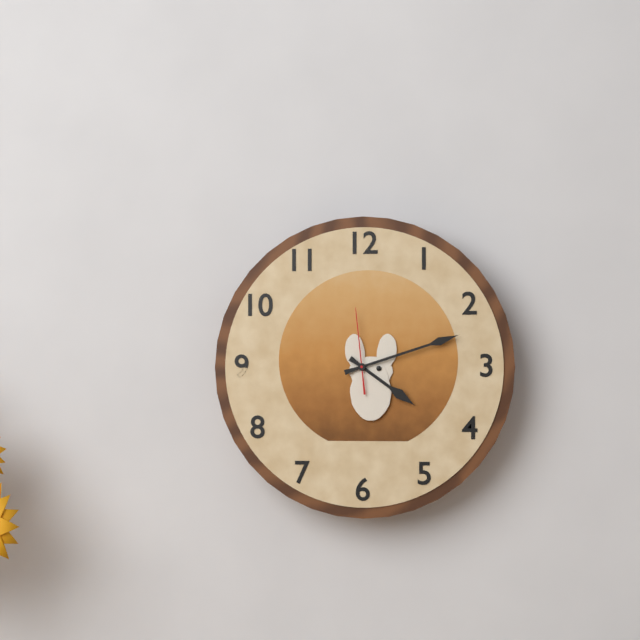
4:12:59
